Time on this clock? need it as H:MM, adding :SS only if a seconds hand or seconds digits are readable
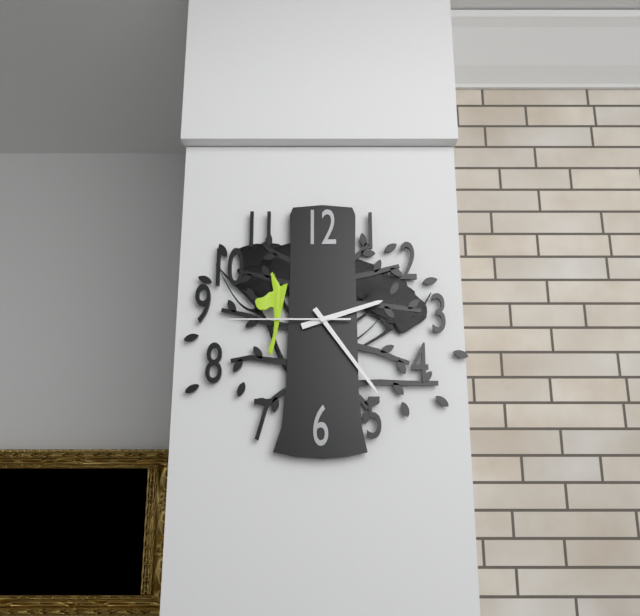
2:24:45
